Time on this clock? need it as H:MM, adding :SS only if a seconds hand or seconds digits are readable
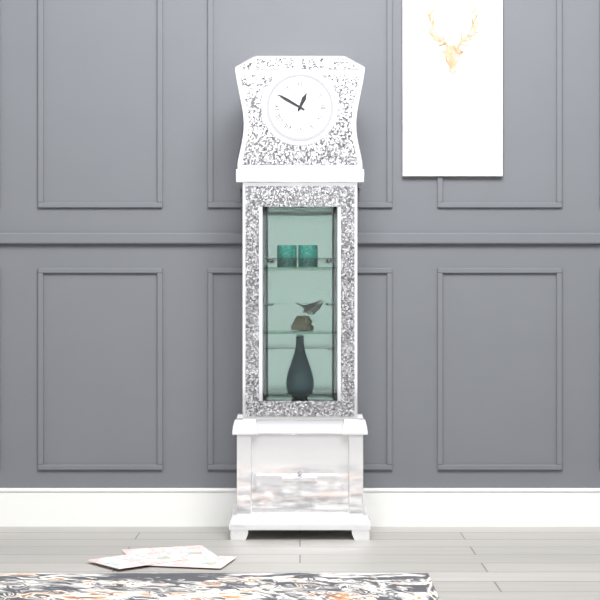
12:50
